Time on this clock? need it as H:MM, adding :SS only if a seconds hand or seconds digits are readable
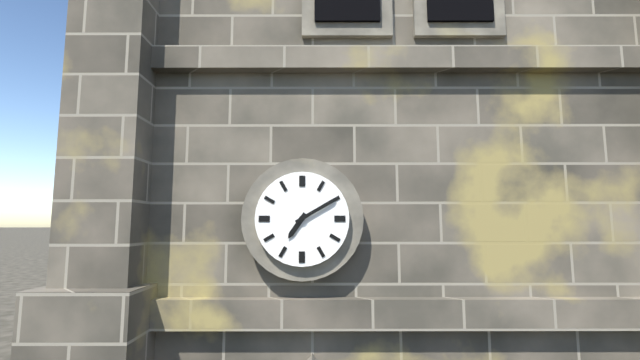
7:10
